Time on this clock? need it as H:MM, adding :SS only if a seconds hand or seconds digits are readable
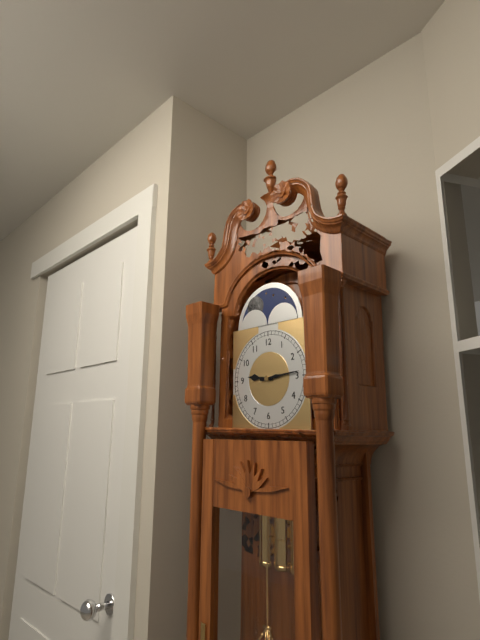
9:14
